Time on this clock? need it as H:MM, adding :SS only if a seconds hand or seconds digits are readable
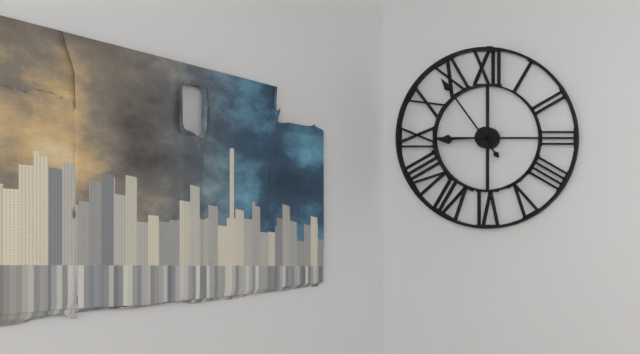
8:54
